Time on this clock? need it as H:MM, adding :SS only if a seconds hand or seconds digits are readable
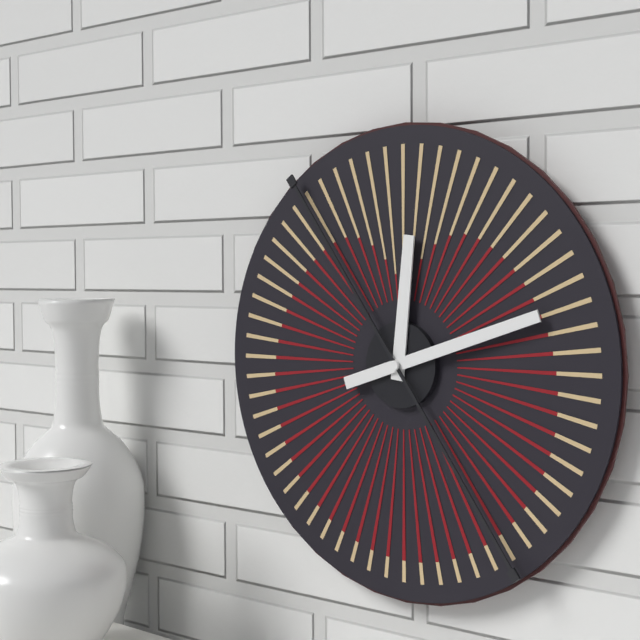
12:12
